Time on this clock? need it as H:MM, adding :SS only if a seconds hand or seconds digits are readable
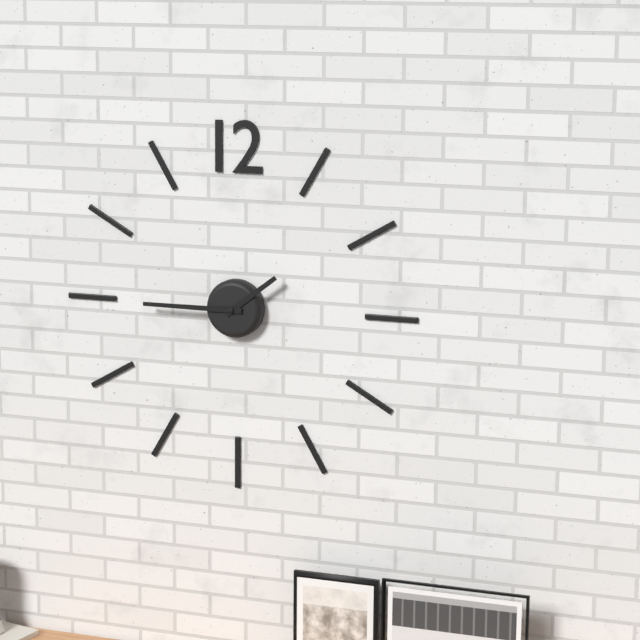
1:45
